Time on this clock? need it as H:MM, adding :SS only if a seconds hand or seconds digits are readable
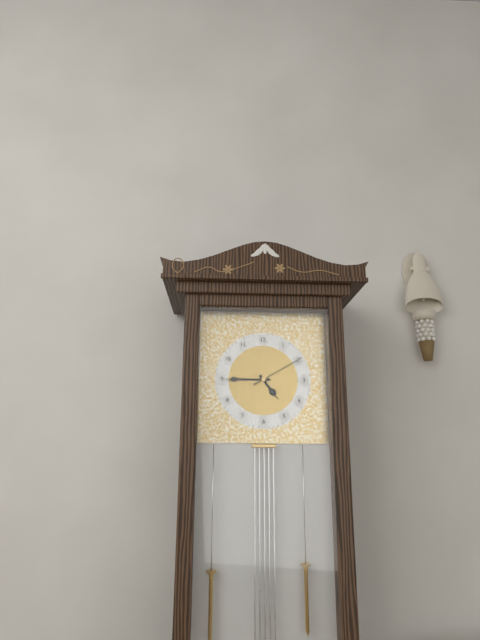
4:45:10
